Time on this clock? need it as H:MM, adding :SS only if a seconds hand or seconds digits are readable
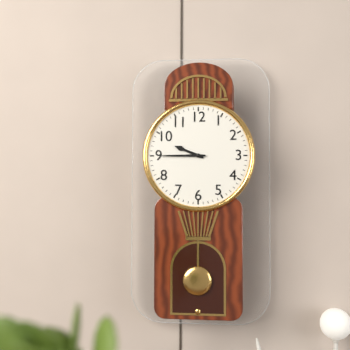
9:45
